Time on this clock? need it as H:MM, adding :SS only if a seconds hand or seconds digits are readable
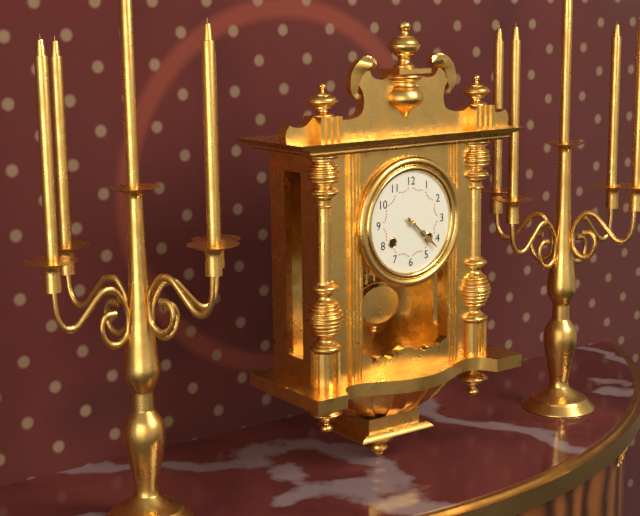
4:22
